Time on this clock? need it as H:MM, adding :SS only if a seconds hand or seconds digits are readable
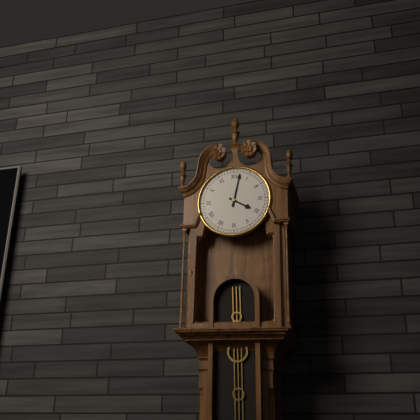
4:02
